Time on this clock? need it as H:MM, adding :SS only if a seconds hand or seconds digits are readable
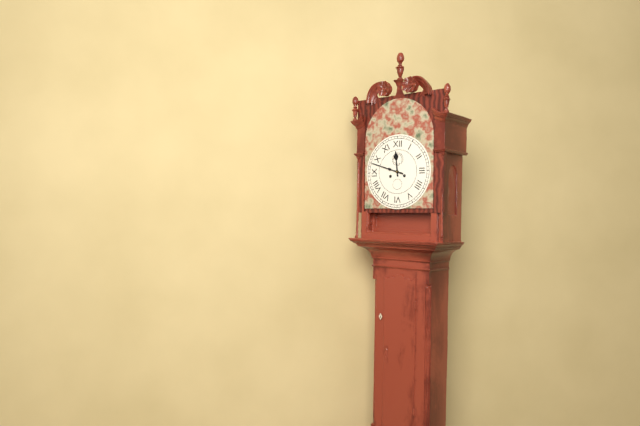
11:48
